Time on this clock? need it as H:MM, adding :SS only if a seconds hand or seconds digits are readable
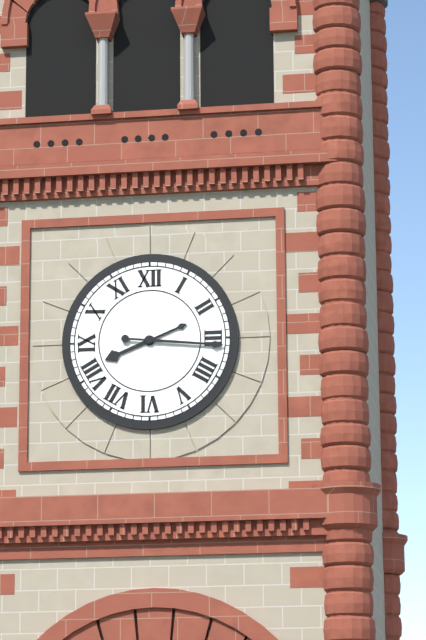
8:16
